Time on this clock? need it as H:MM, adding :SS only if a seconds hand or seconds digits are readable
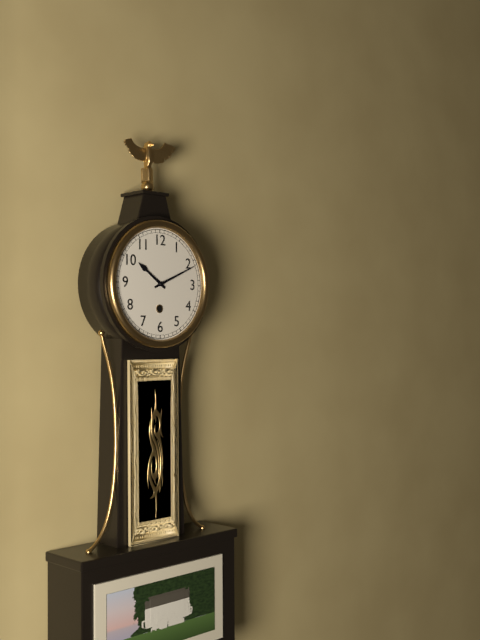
10:11
